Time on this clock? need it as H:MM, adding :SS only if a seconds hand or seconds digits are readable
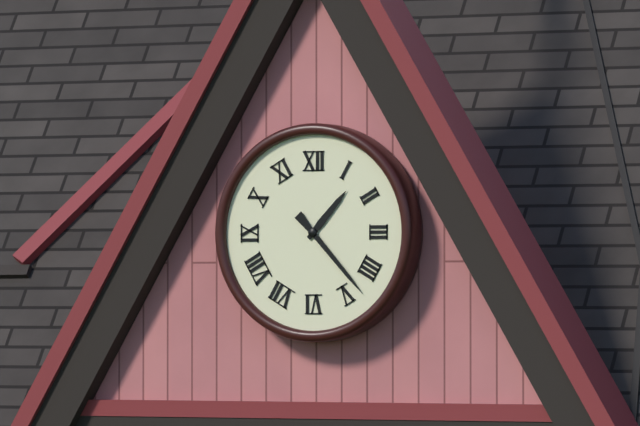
1:23
